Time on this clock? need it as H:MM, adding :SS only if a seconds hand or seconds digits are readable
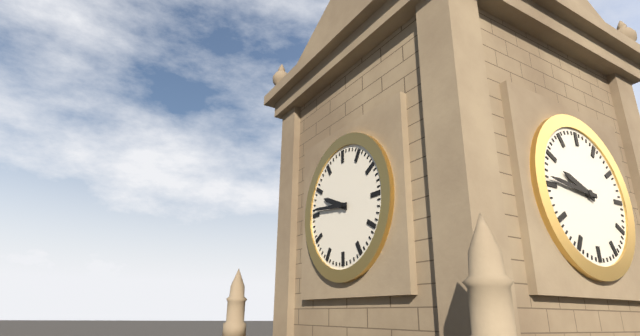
9:46
